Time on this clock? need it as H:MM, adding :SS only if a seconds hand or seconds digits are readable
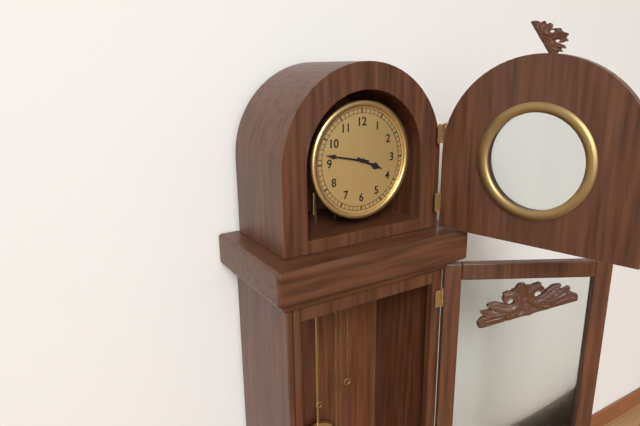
3:47
